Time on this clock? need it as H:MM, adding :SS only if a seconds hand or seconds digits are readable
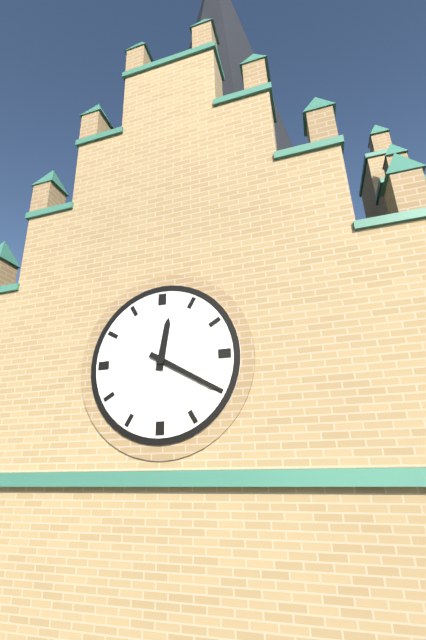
12:20
